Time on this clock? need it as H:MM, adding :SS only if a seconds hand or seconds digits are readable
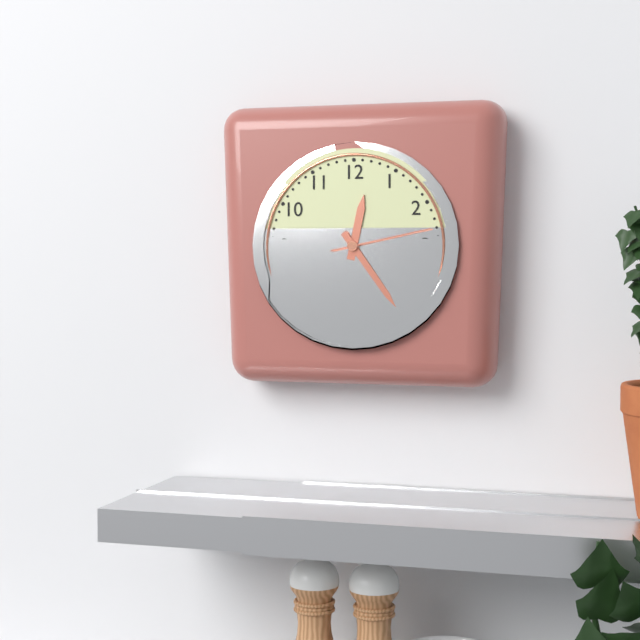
12:24:13
